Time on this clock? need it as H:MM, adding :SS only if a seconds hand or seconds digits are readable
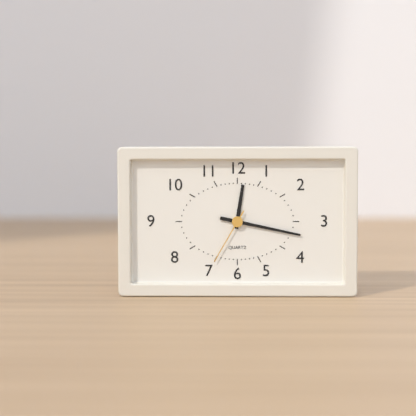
12:17:35
